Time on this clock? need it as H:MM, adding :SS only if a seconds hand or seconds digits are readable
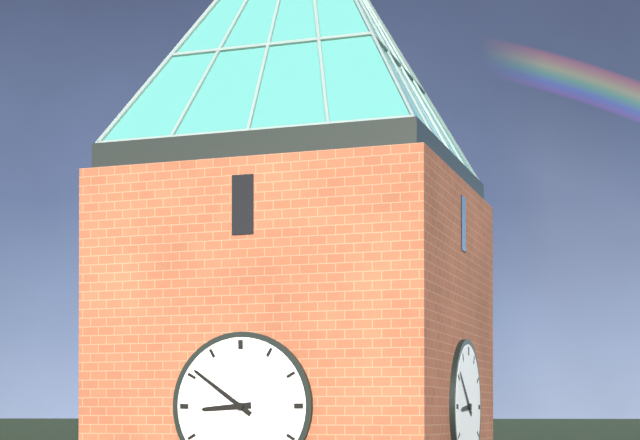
8:51
